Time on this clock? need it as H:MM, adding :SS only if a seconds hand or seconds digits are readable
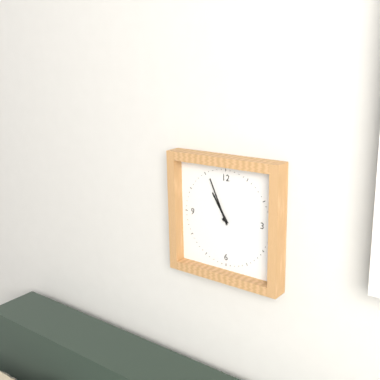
10:56
